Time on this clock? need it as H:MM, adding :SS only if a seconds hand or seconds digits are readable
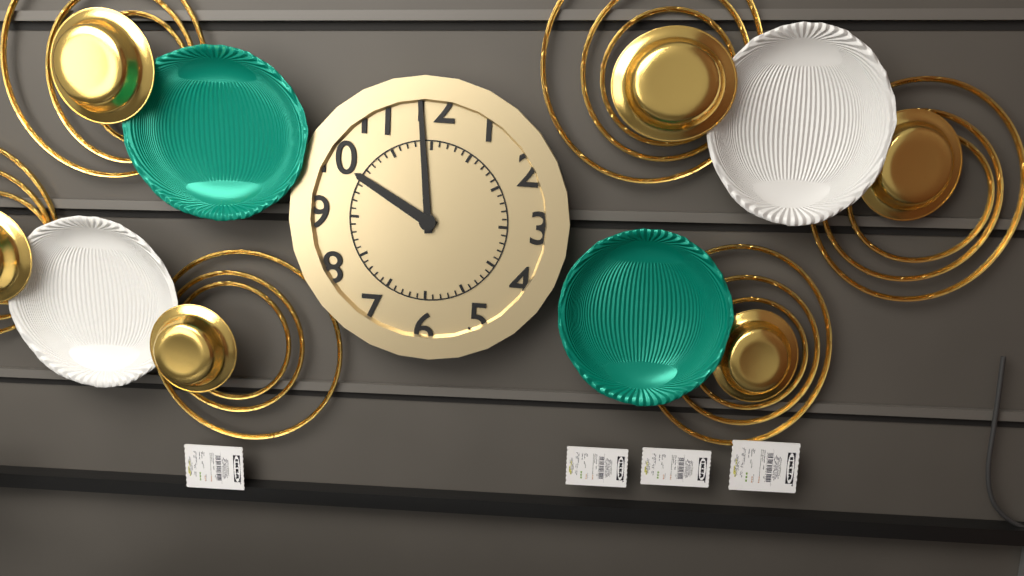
9:59
